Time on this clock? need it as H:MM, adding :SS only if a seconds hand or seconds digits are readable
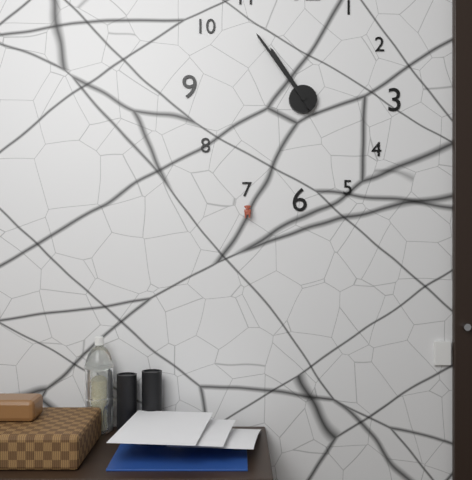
10:54
